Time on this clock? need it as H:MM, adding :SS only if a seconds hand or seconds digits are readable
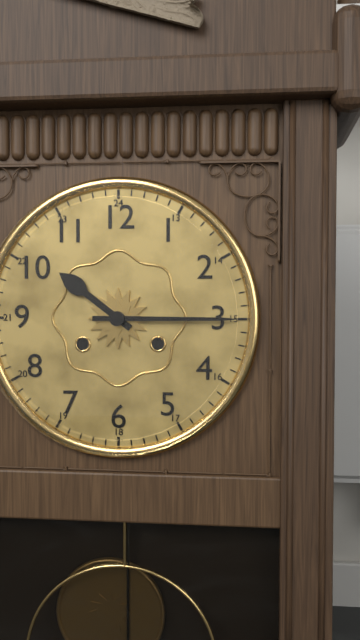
10:15
